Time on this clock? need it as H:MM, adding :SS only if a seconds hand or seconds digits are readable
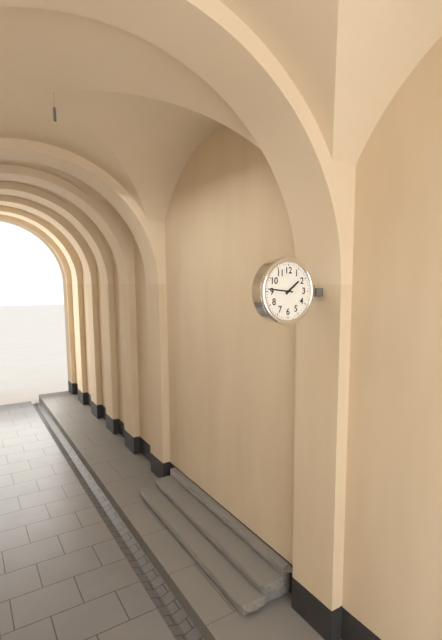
1:46
